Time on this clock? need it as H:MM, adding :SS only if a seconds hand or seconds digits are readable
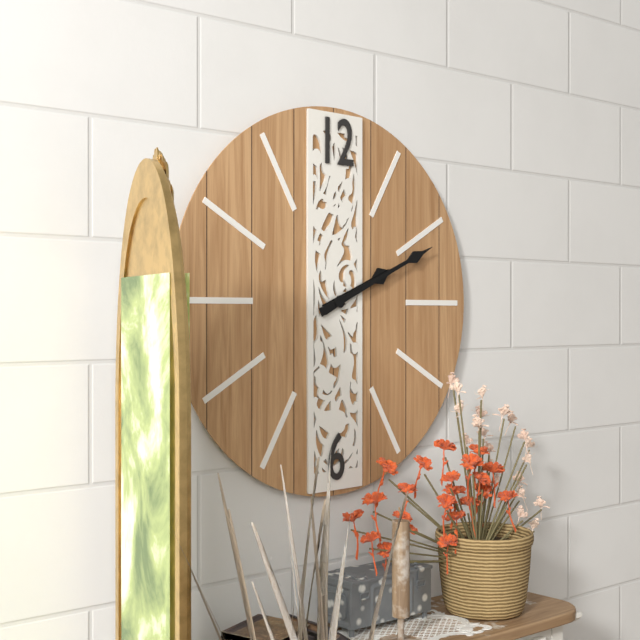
2:11
